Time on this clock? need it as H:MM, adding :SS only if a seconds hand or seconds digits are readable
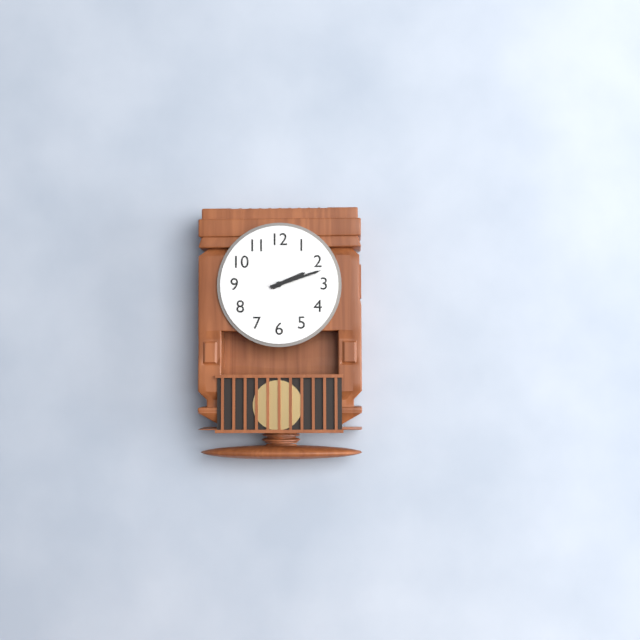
2:12
